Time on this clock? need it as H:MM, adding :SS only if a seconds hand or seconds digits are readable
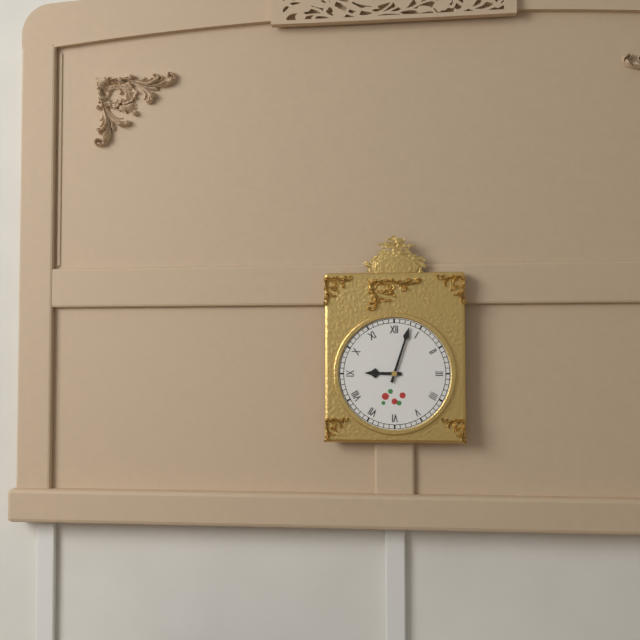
9:03
